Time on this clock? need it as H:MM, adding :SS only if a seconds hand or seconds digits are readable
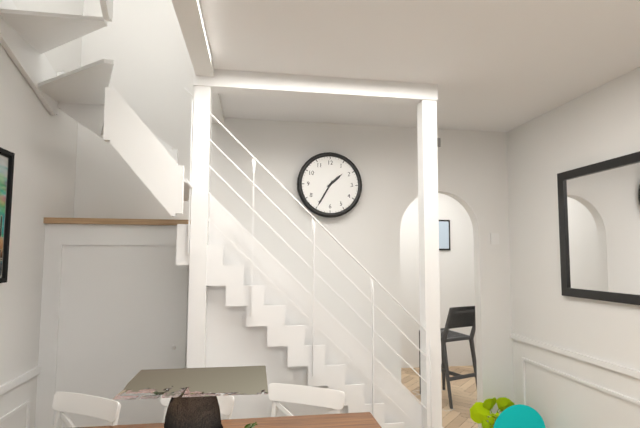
1:35
